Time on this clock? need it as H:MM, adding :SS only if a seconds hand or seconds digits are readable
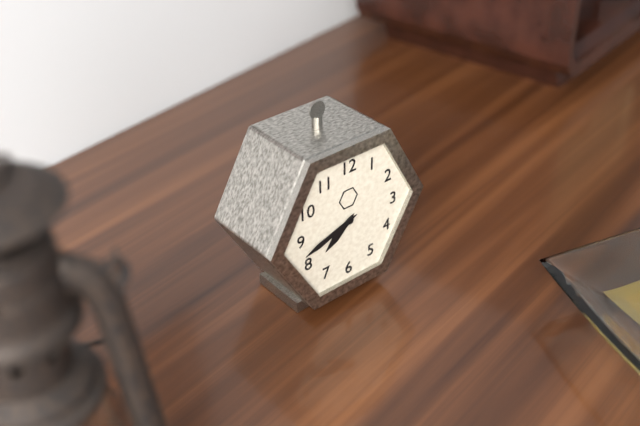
7:42
